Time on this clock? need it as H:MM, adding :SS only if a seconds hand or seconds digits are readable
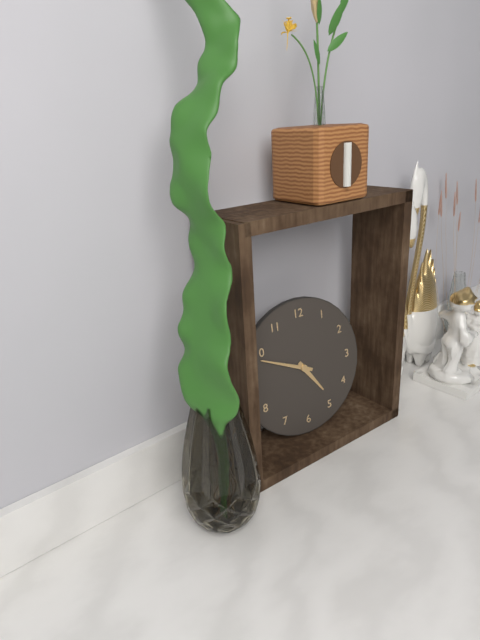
4:49
